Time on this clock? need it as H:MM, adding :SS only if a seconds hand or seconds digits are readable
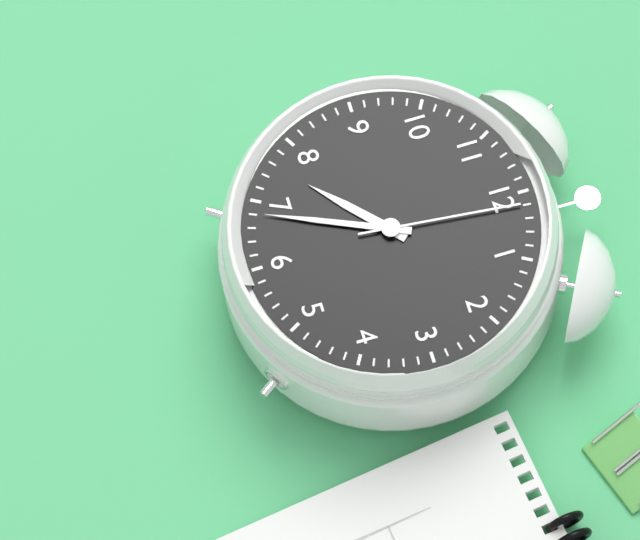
7:34:01
